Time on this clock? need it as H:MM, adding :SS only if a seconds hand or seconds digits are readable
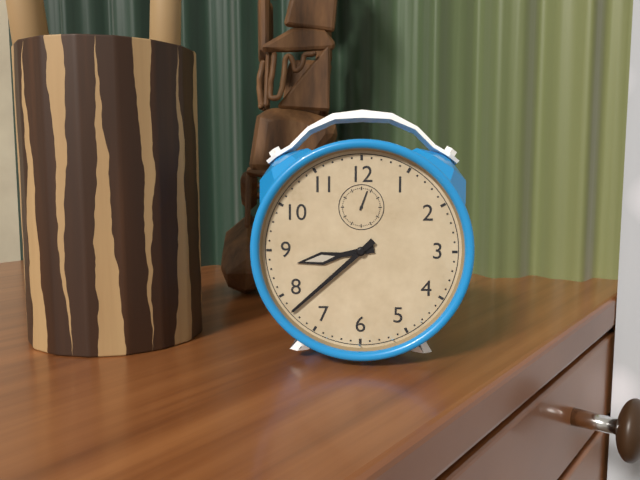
8:38
